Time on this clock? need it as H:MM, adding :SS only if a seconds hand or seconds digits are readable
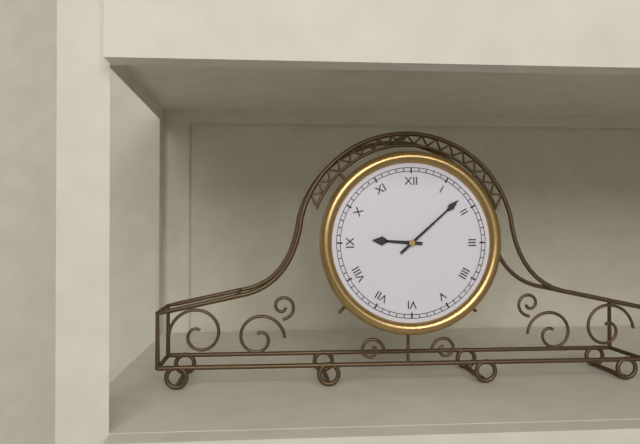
9:08
